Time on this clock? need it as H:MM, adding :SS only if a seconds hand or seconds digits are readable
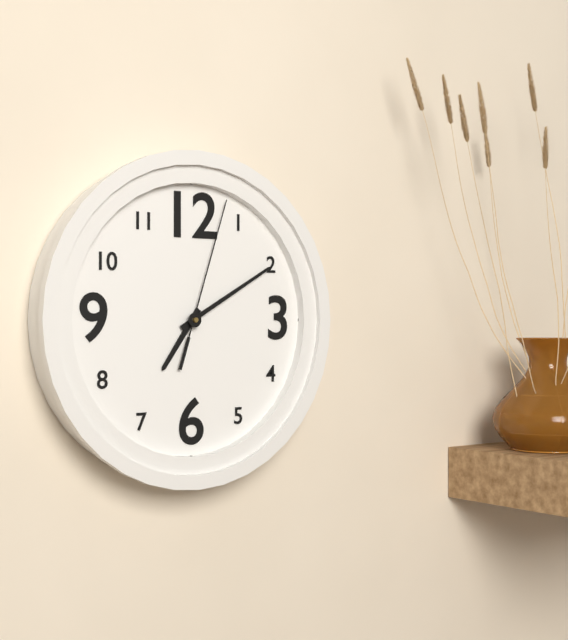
7:10:03
